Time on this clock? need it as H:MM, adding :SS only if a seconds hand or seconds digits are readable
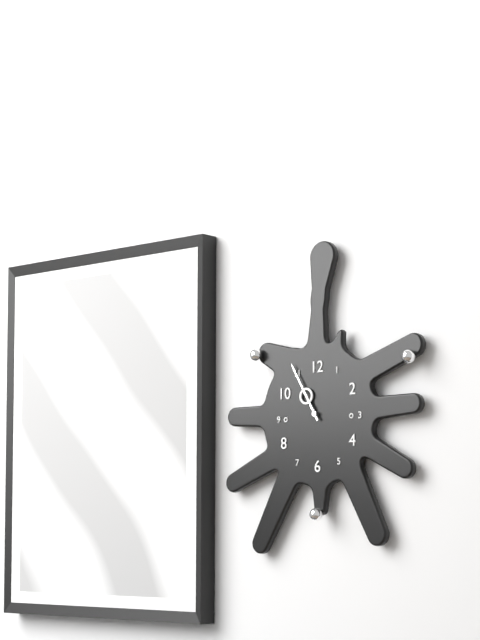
10:55
